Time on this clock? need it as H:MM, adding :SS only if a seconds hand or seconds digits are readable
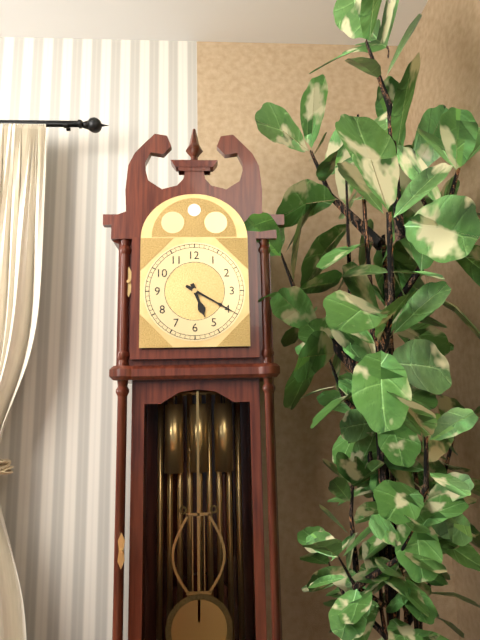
5:20
